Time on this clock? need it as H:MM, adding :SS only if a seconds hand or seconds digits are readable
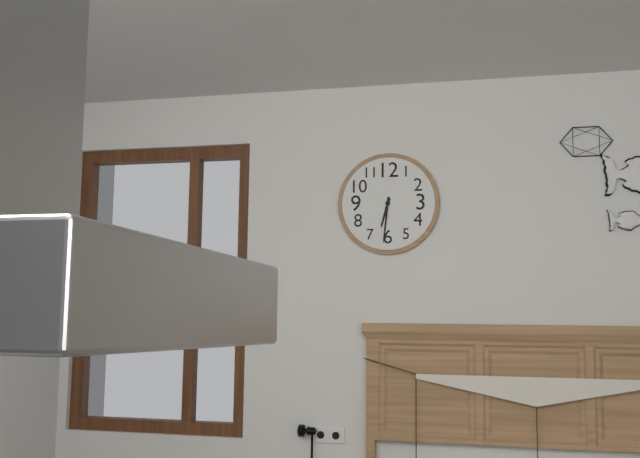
6:31
